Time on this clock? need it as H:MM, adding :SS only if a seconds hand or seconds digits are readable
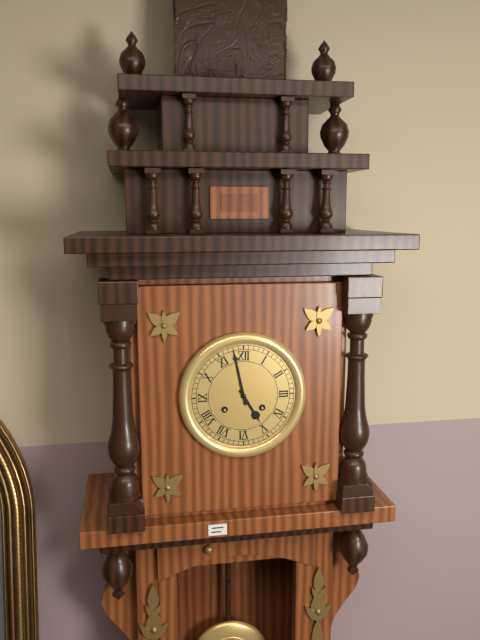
4:58
